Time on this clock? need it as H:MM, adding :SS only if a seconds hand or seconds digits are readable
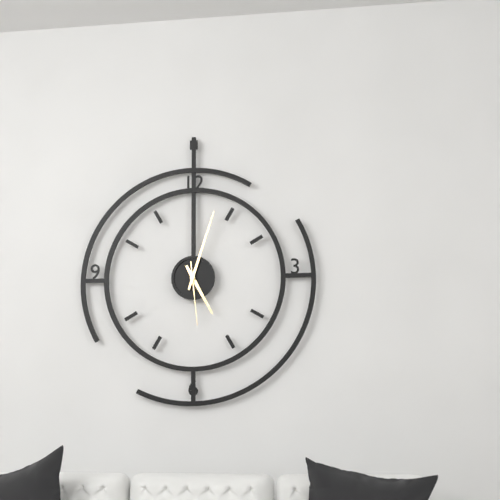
5:03:29
